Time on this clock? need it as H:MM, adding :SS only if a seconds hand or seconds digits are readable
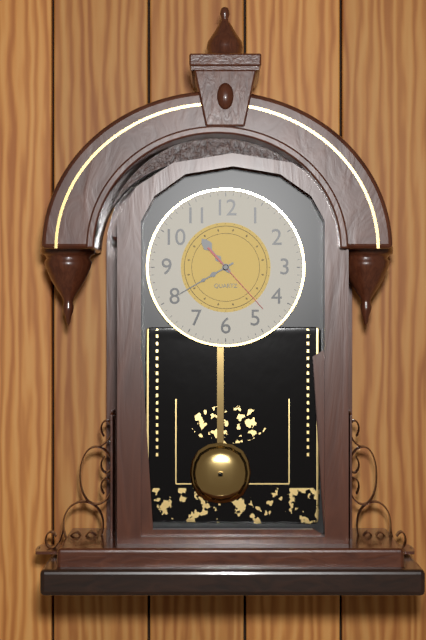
10:40:23
